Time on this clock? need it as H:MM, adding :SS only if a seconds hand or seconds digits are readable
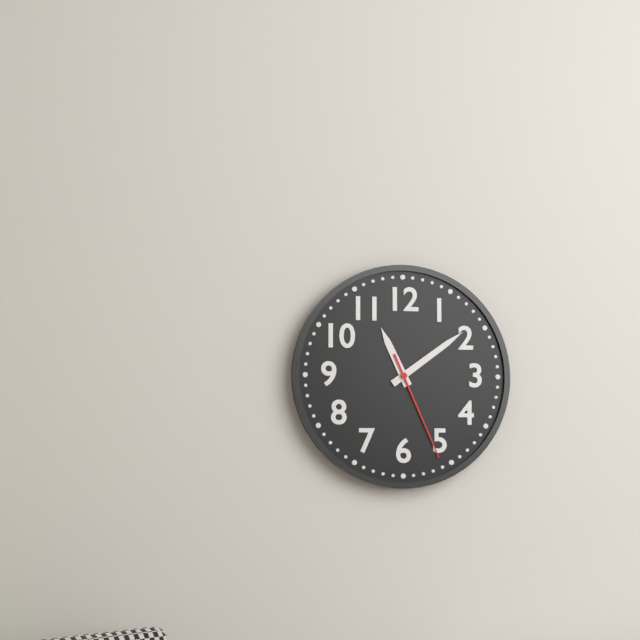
11:09:26
